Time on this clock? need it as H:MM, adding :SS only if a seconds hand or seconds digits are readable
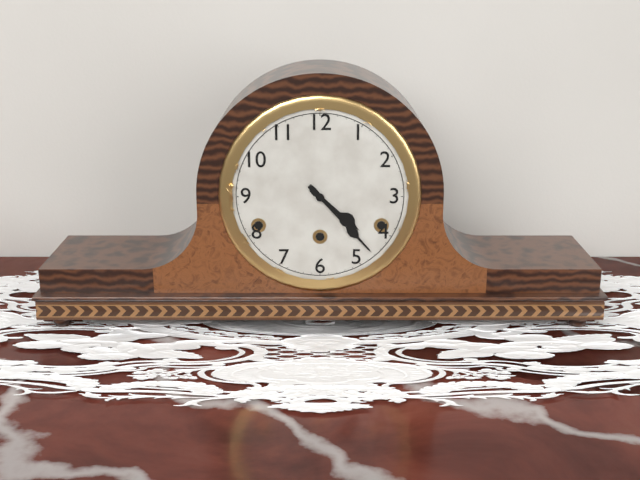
4:23
